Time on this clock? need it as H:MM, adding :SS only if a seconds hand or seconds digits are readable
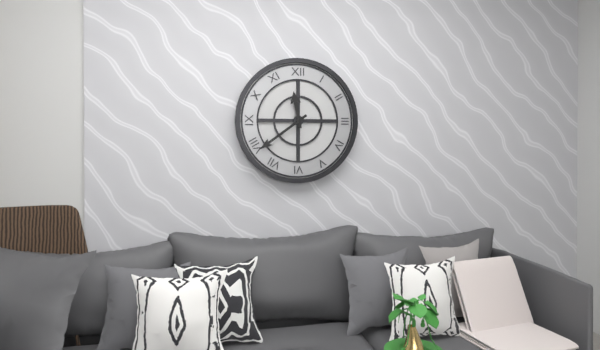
11:39
